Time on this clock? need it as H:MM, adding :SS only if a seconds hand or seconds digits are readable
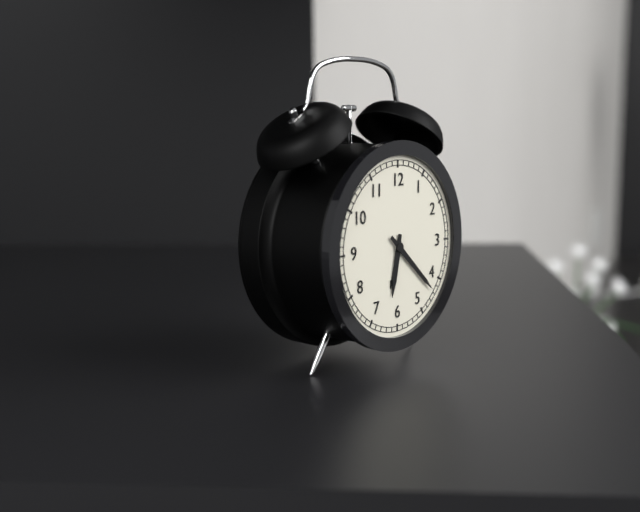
6:22
